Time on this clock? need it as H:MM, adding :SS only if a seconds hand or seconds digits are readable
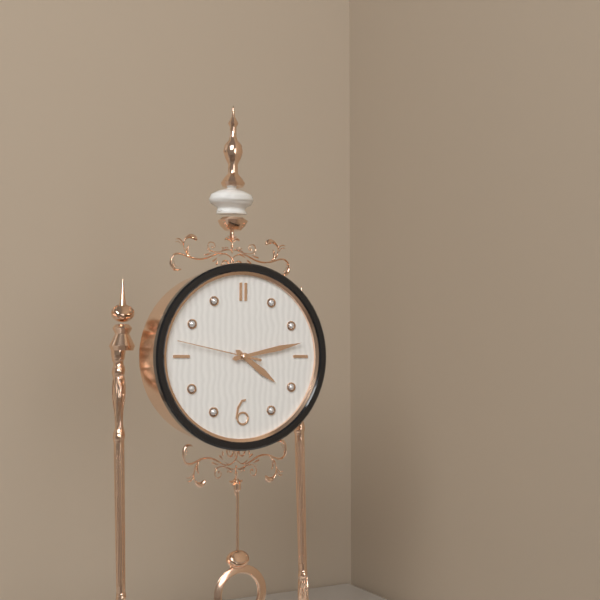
4:13:47
